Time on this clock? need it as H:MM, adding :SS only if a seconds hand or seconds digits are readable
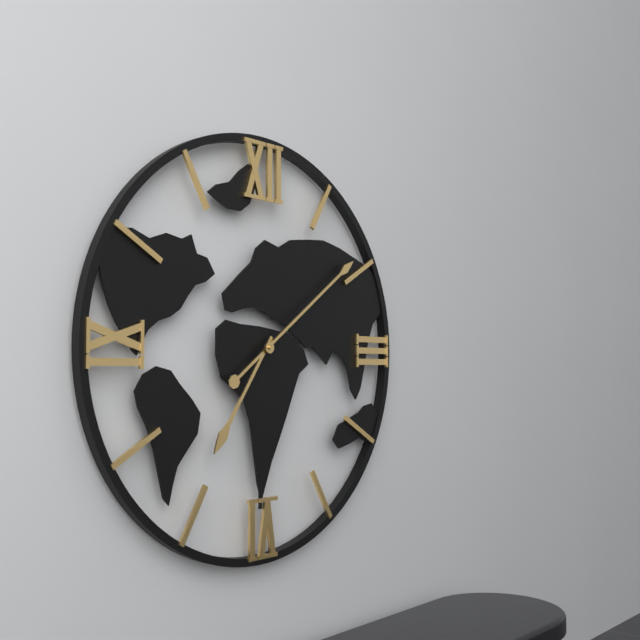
7:09
